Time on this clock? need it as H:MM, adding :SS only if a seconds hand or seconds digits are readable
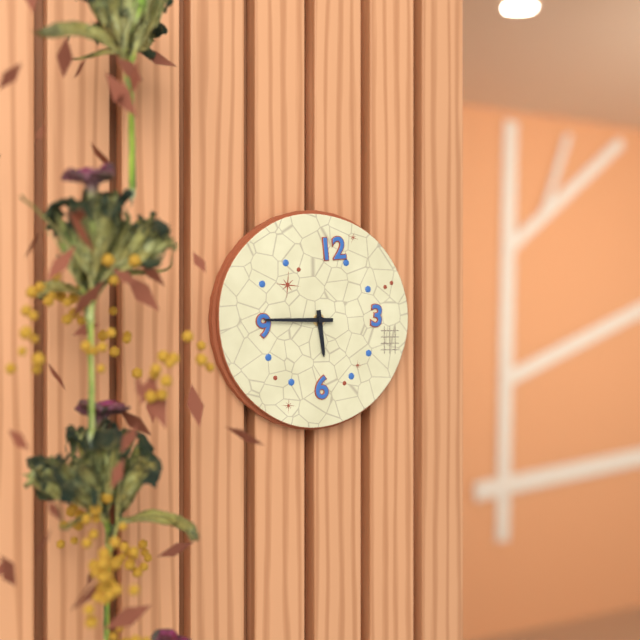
5:45
